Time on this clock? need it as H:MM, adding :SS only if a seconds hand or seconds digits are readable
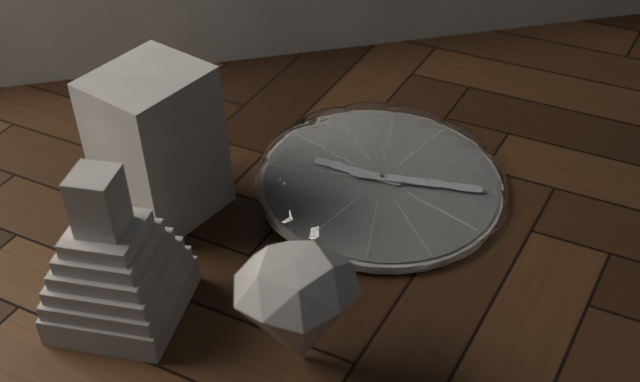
11:25
